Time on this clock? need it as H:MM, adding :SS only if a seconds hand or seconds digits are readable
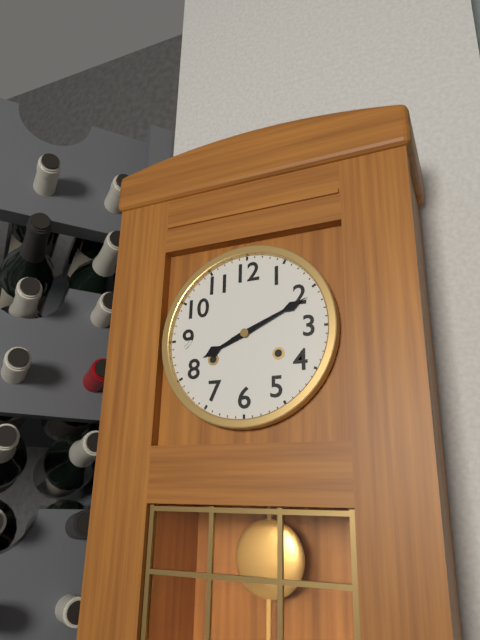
8:11
